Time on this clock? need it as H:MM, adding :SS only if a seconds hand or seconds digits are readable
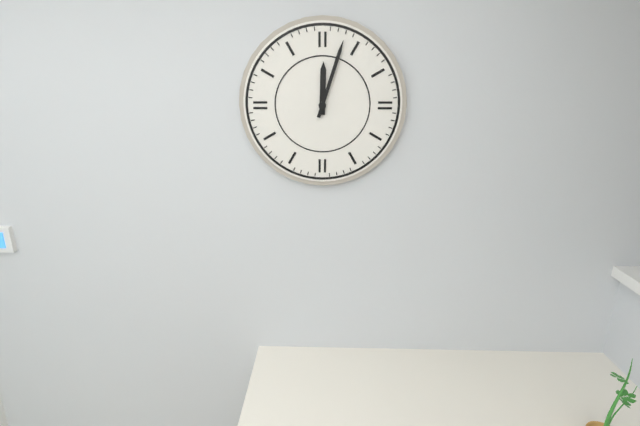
12:03
